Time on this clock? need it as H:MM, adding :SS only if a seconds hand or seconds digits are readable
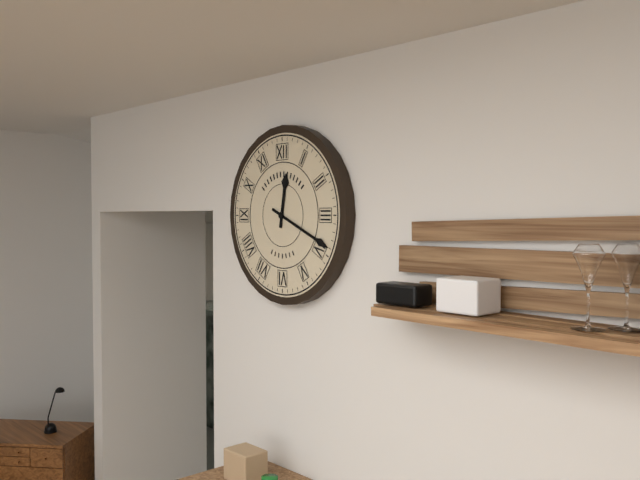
12:19
